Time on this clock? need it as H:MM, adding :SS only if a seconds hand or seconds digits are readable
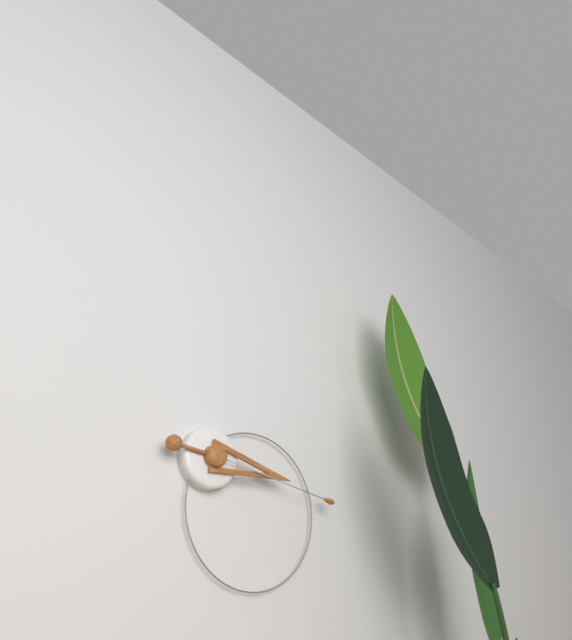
3:17
